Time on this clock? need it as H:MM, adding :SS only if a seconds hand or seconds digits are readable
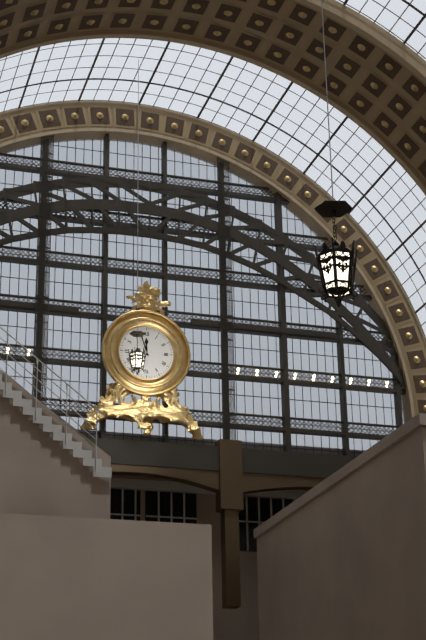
11:57
